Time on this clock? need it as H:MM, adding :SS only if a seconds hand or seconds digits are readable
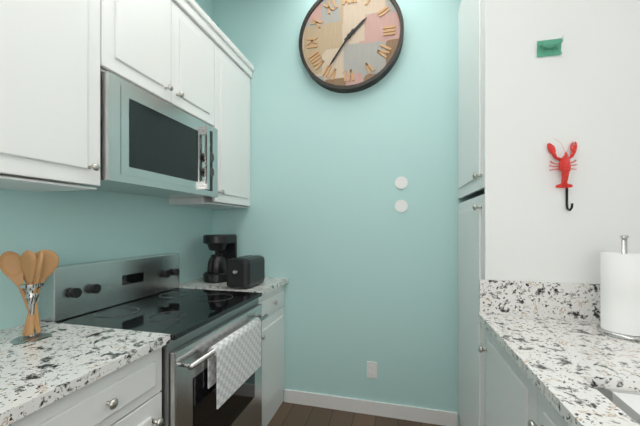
1:36
